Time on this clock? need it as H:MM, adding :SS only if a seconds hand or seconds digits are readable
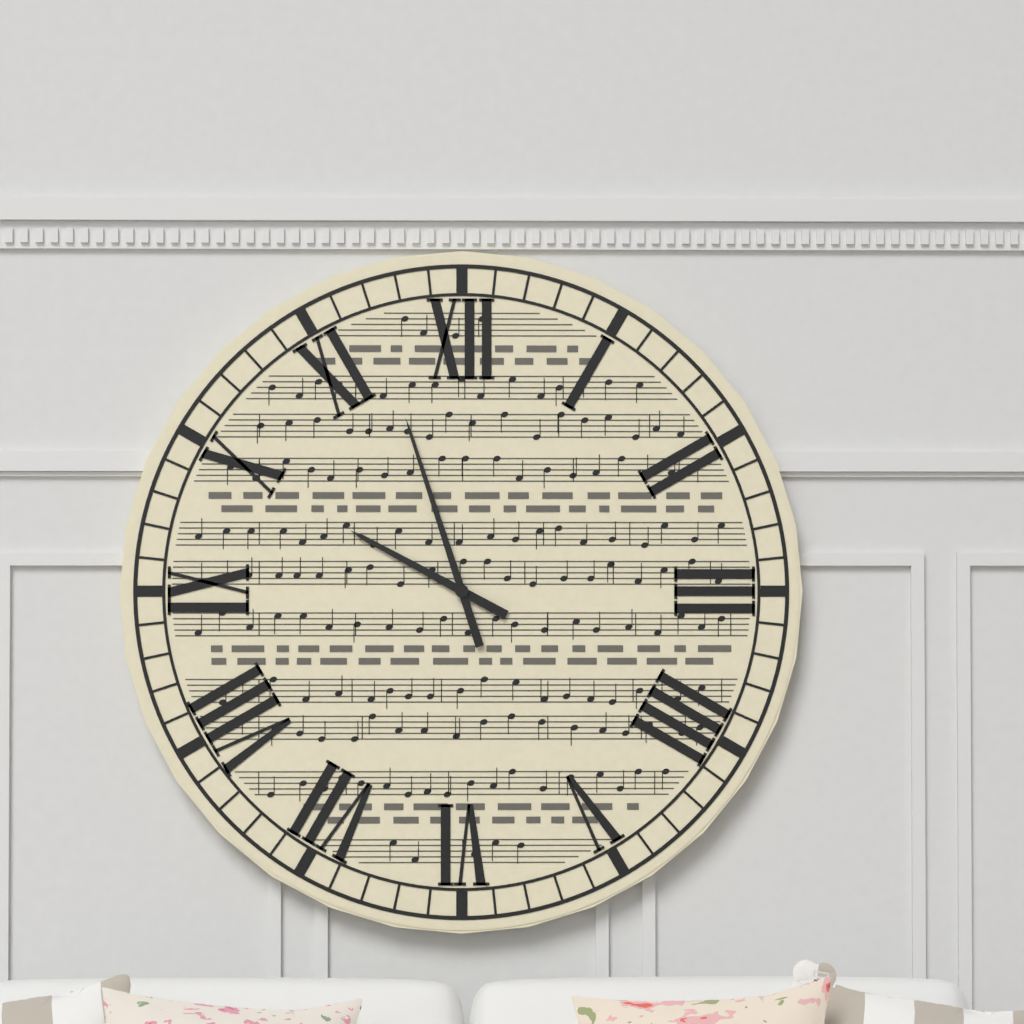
9:57
